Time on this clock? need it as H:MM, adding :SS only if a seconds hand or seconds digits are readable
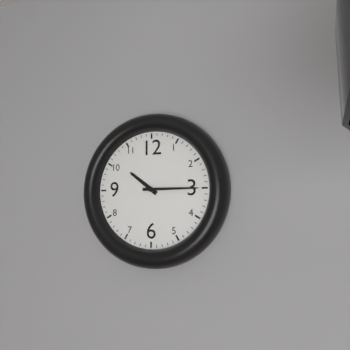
10:15
